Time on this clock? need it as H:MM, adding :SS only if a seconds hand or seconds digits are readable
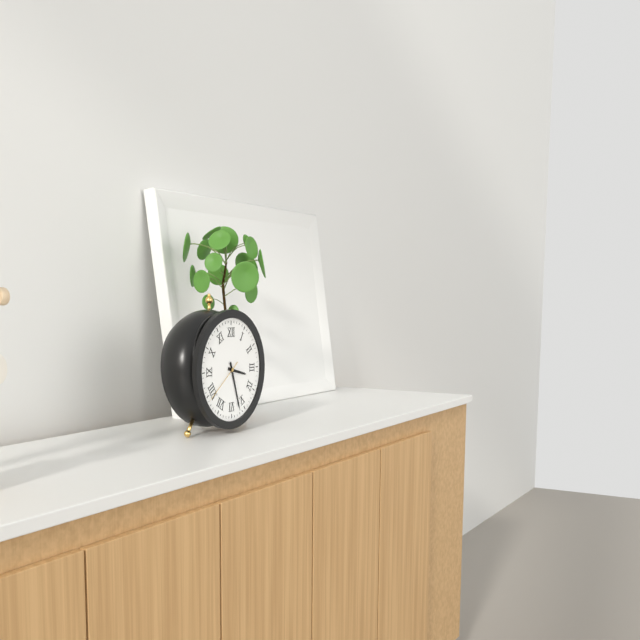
3:27
